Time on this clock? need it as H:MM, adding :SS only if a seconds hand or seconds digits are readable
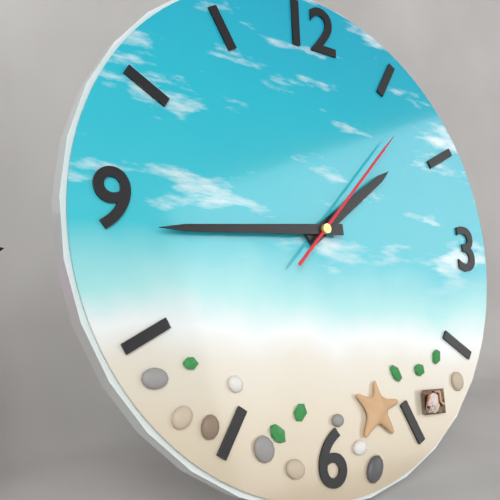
1:44:07
